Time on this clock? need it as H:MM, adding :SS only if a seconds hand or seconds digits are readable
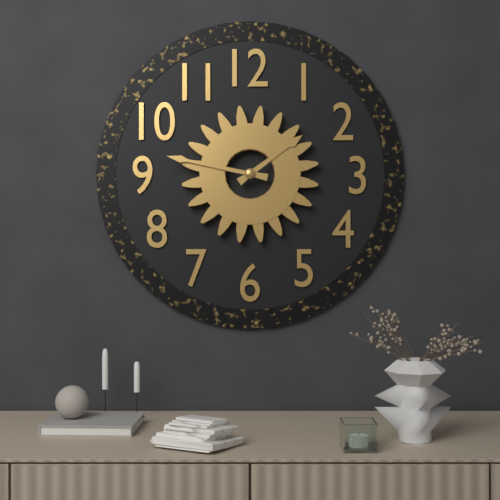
1:47
